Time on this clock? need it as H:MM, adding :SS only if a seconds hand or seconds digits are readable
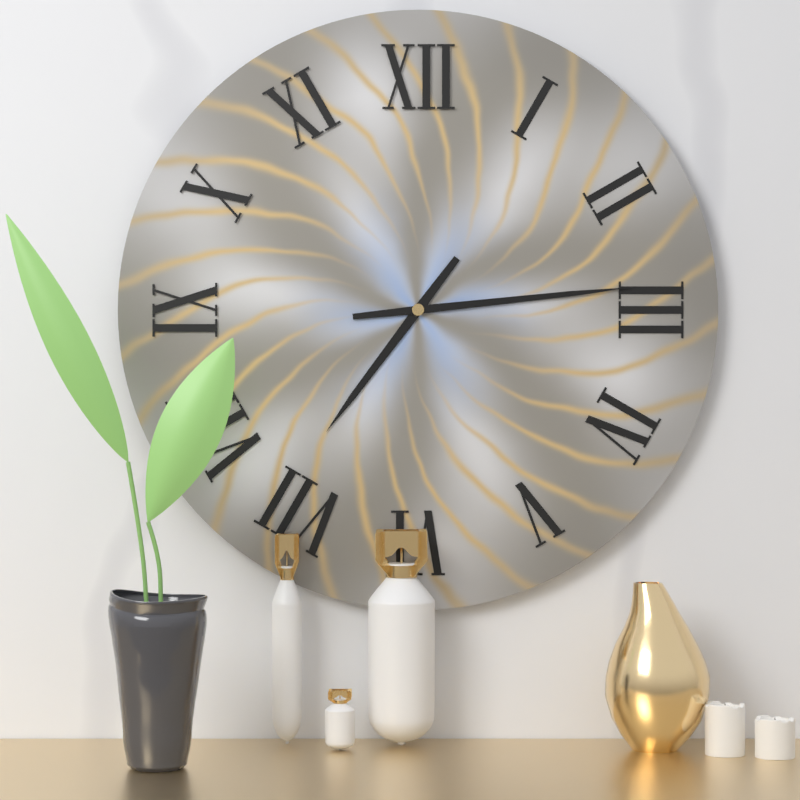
7:14
